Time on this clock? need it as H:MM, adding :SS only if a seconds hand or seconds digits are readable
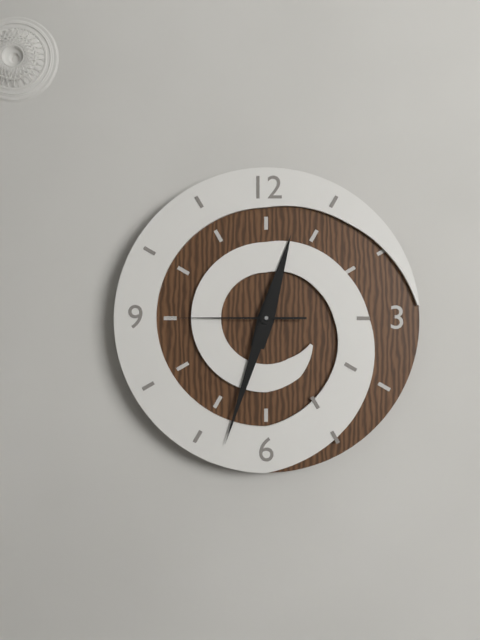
12:33:45
